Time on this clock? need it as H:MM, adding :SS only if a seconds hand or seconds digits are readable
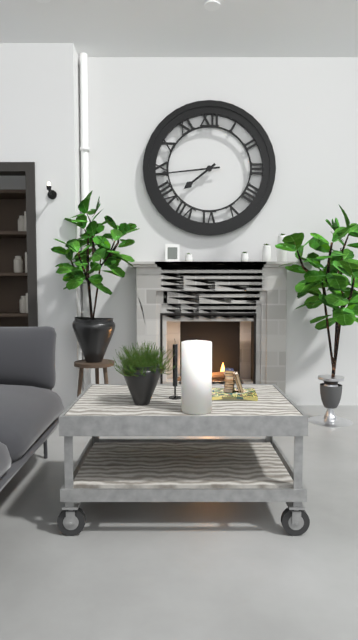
7:44
